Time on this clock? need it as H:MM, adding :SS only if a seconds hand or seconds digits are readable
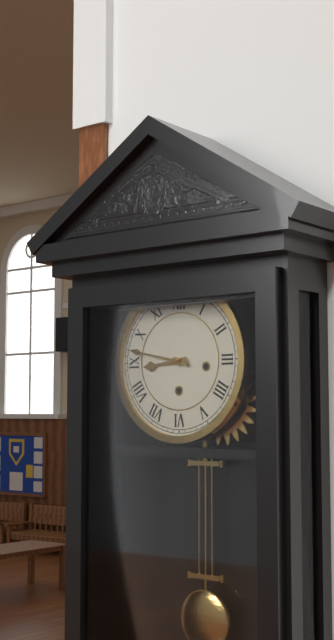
8:47
